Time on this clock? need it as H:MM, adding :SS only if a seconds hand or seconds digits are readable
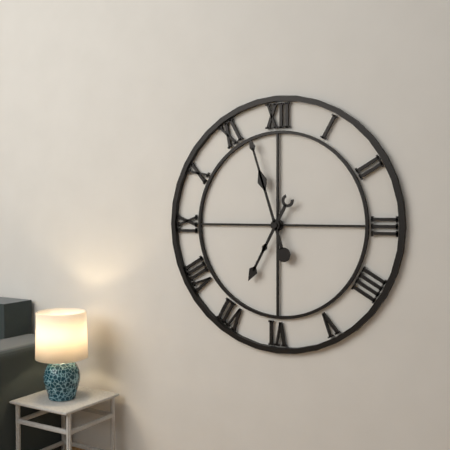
6:57
